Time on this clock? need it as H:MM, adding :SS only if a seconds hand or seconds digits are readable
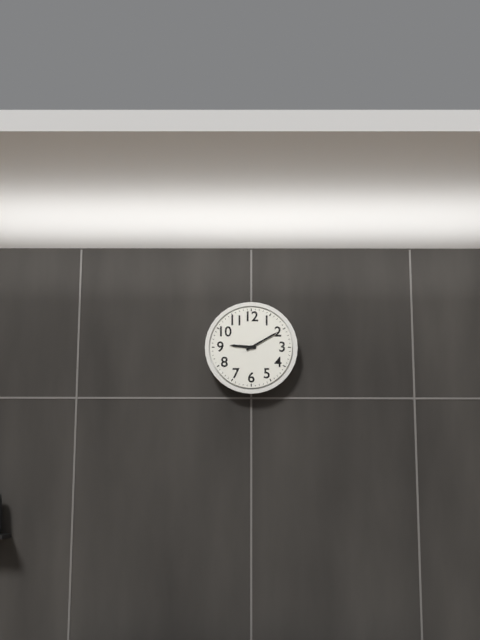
9:10
